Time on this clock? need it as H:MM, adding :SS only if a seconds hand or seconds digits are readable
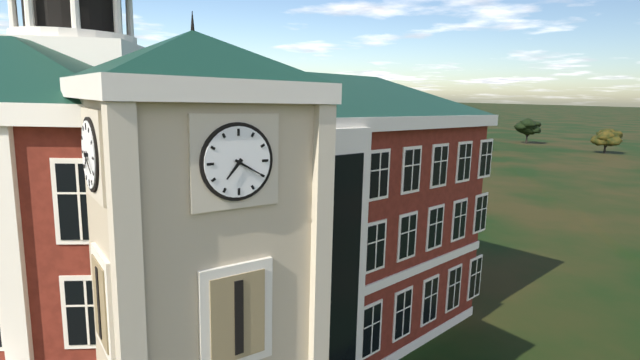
7:20
